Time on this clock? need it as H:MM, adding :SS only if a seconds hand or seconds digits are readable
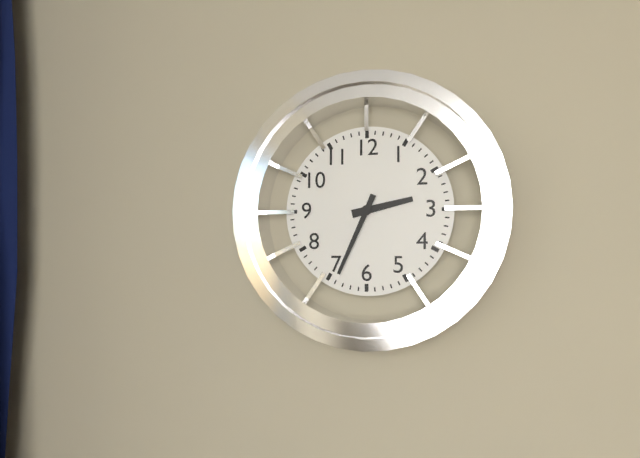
2:34
